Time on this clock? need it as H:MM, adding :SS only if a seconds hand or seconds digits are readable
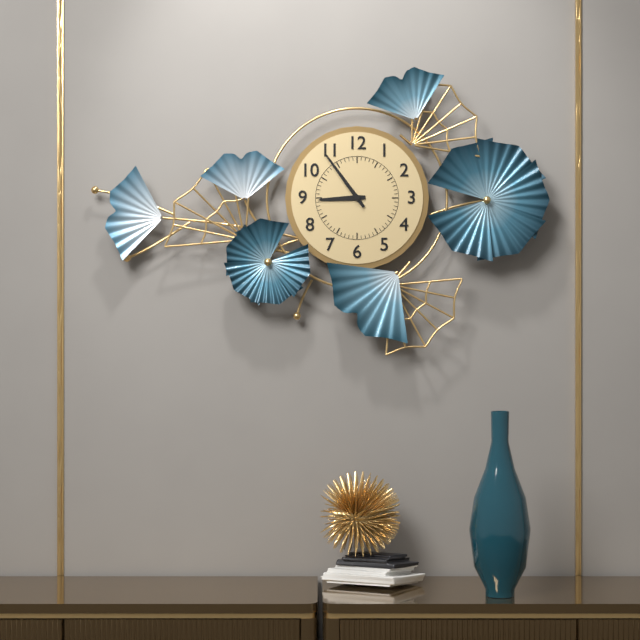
8:54
